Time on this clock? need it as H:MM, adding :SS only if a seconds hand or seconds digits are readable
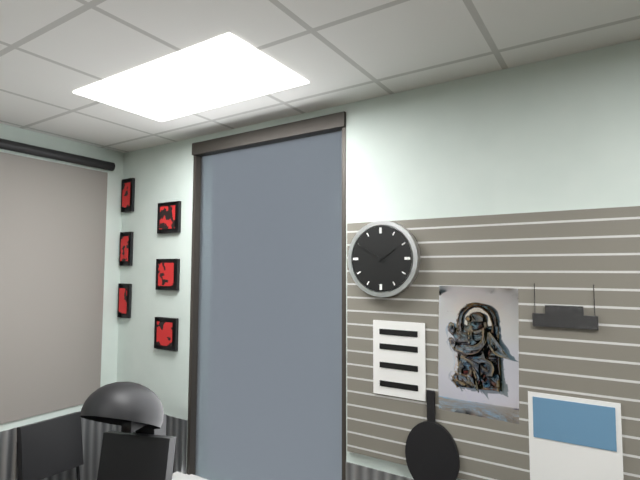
1:50
